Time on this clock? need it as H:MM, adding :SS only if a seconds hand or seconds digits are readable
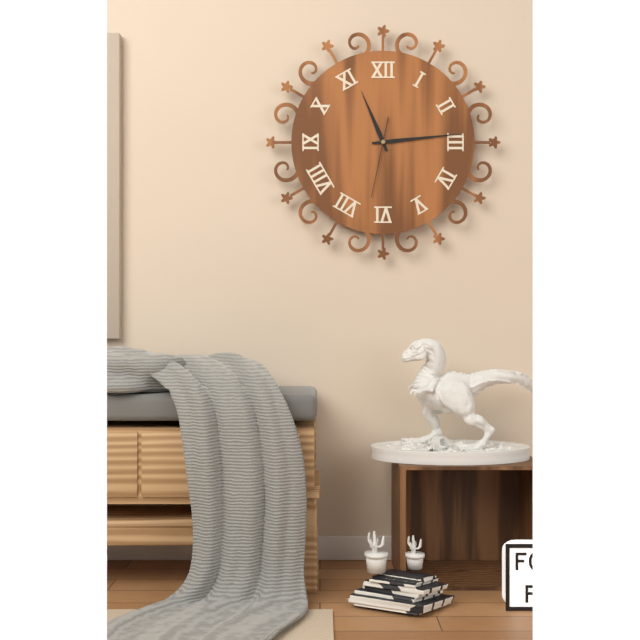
11:14:32
